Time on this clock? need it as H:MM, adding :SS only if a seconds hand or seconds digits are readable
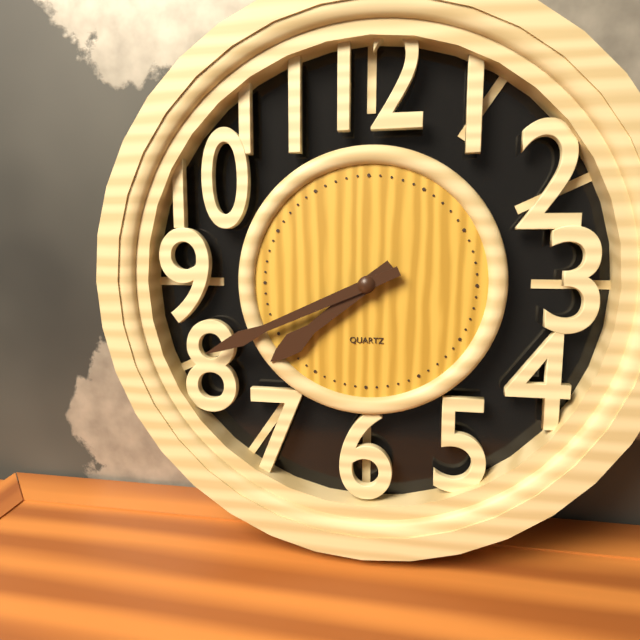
7:41
